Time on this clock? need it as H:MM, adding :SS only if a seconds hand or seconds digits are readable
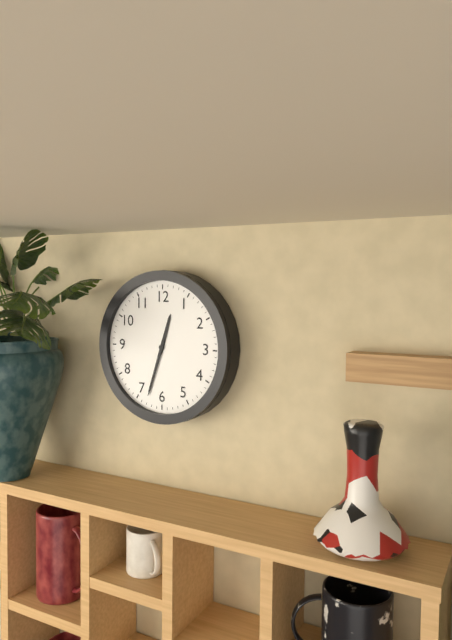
12:33
